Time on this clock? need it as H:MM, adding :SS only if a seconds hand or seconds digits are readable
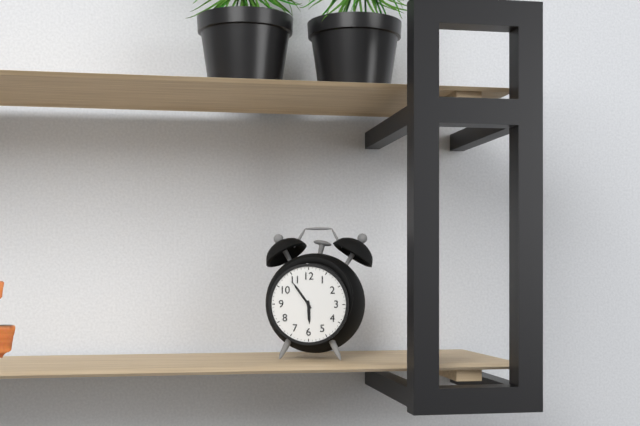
5:54
